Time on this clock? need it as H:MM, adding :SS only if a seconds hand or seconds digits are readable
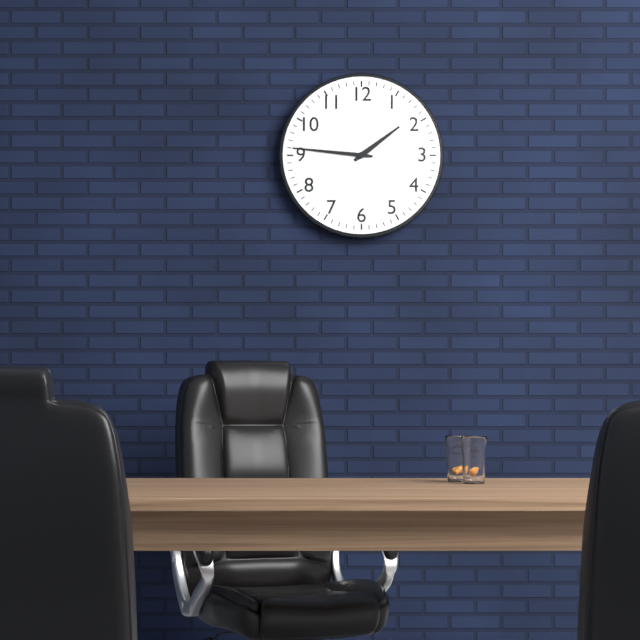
1:46
